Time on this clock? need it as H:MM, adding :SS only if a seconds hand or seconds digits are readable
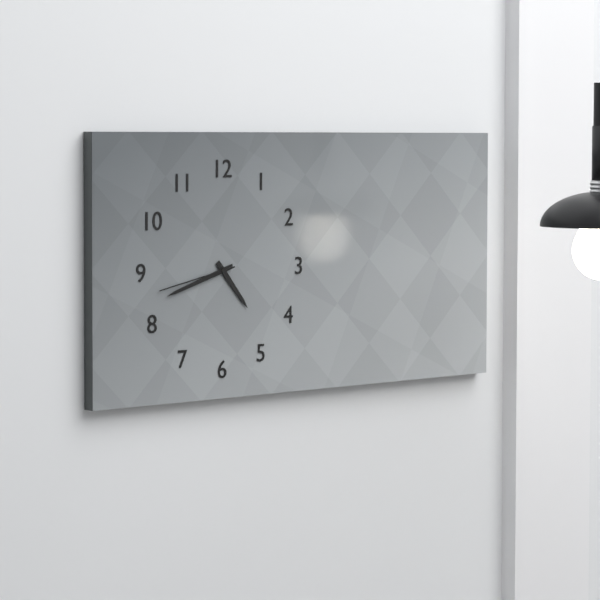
4:42:43
